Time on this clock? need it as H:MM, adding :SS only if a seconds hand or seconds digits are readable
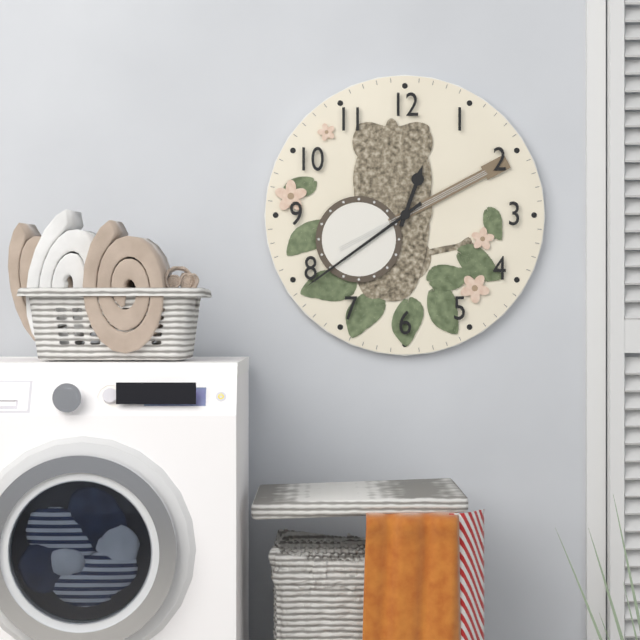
12:39
